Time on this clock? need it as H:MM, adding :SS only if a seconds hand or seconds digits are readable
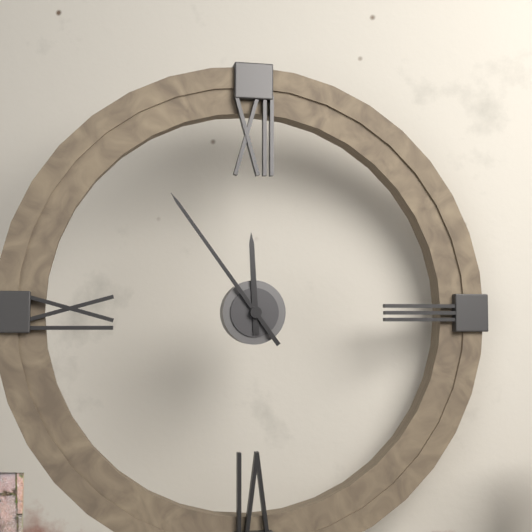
11:54
